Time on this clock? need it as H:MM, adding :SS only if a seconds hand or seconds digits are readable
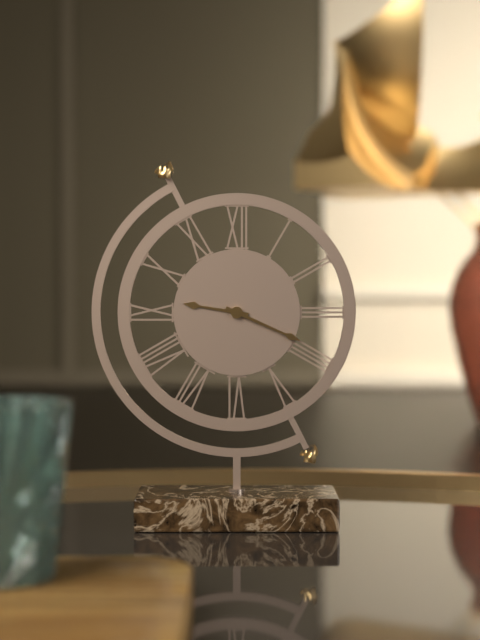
9:19
